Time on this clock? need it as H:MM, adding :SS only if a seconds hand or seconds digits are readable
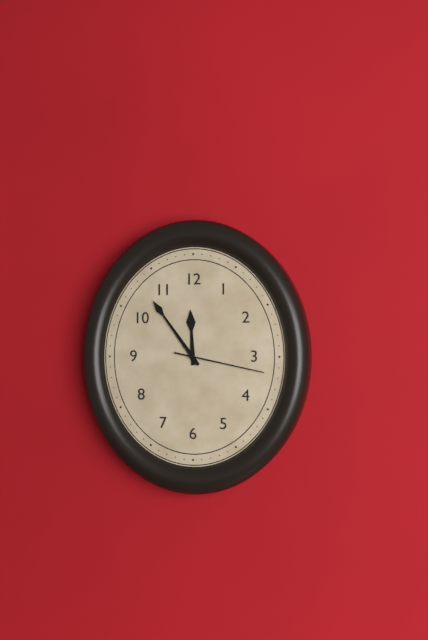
11:54:17
